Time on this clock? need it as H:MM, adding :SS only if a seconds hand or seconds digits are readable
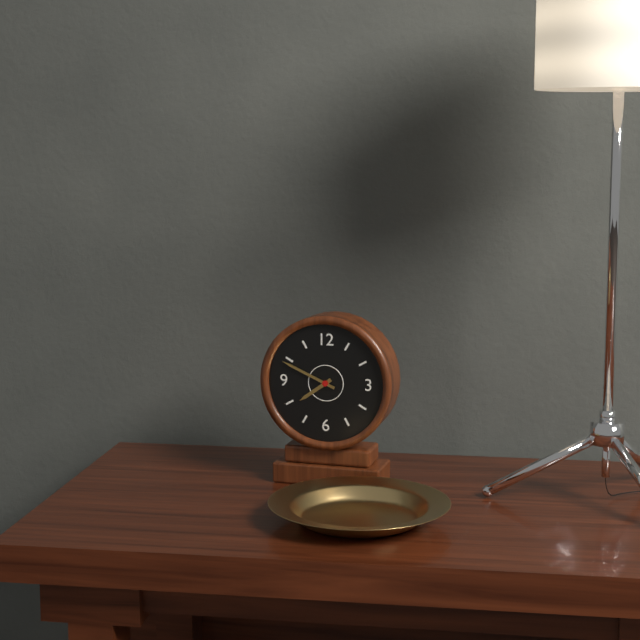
7:49
